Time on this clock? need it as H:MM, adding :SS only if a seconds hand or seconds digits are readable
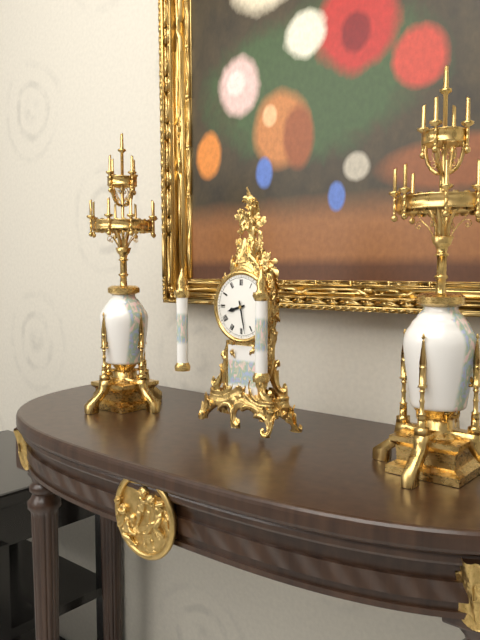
8:28
